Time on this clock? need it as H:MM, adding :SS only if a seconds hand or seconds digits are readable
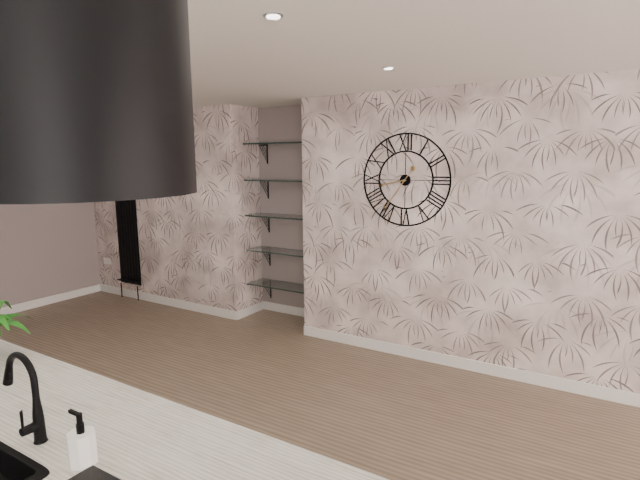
8:36
